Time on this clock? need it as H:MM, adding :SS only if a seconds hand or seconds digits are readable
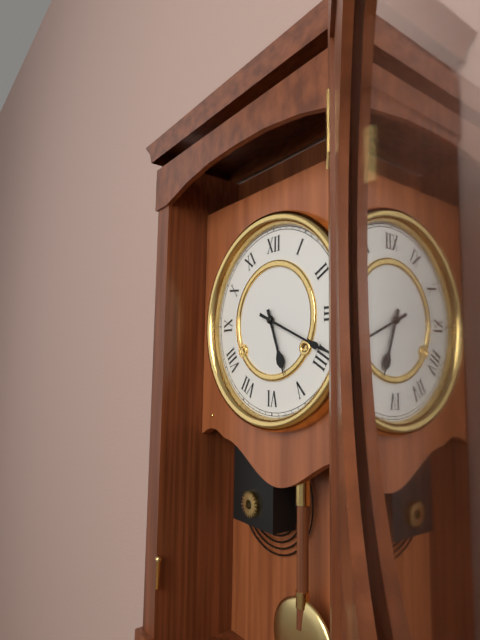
5:19
